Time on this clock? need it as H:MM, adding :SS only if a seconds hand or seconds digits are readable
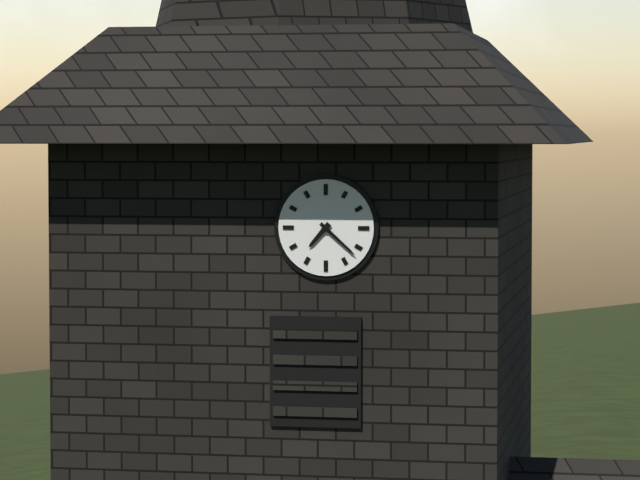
7:22
